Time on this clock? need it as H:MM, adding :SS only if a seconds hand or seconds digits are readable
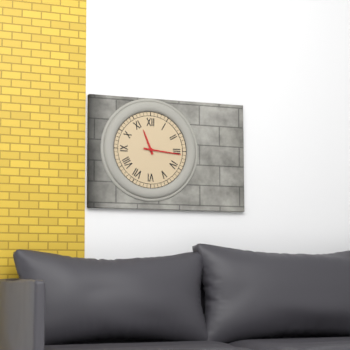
11:16
